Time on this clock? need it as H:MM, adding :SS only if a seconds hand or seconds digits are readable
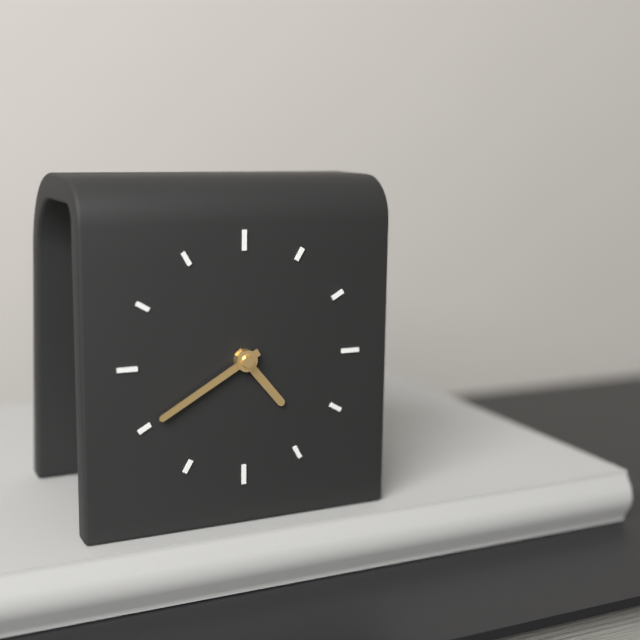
4:40
